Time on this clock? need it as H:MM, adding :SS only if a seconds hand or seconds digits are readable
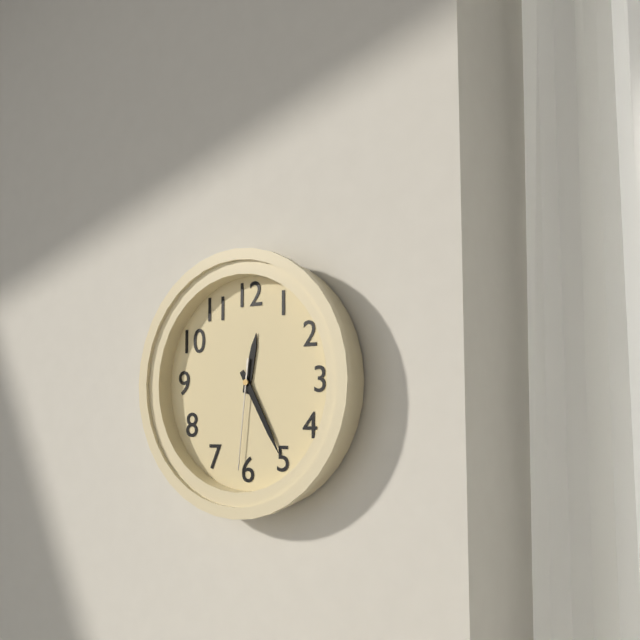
12:25:31
